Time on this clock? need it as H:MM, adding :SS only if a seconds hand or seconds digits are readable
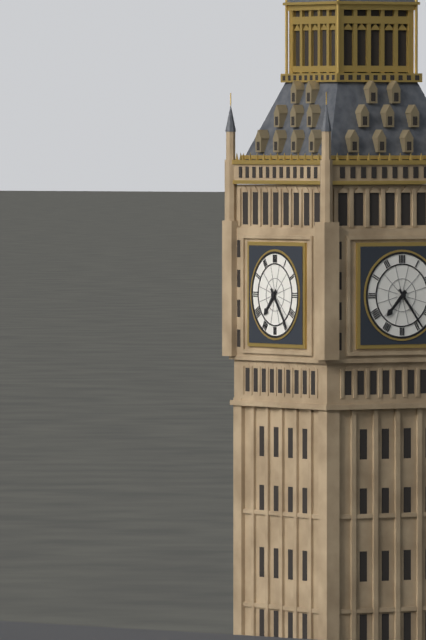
7:24
